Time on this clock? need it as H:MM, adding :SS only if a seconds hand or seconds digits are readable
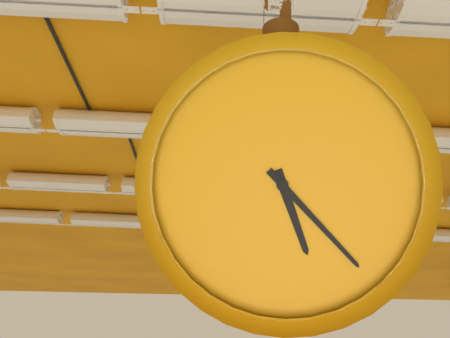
5:23
